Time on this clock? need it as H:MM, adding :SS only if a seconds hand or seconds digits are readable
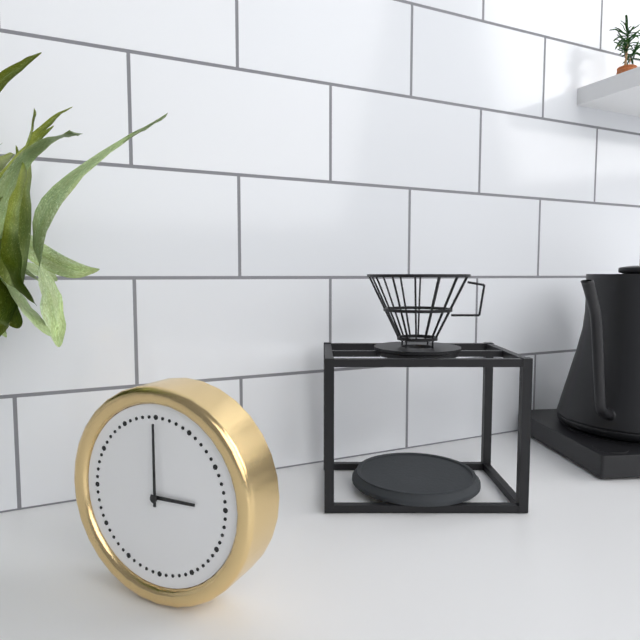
3:00
